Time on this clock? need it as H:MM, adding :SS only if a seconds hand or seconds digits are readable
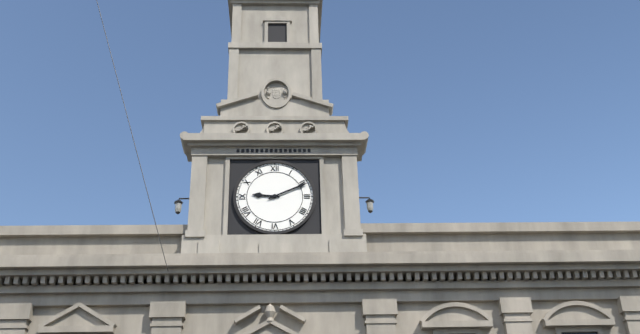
9:11
